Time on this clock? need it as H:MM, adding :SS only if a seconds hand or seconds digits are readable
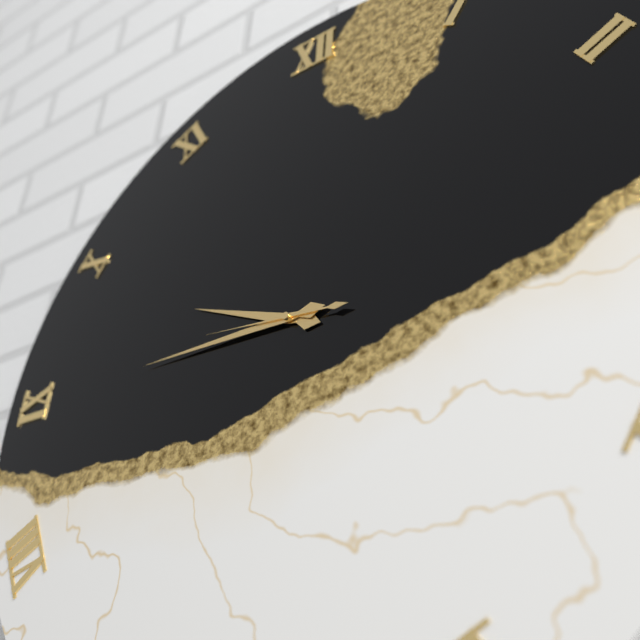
9:45:46
